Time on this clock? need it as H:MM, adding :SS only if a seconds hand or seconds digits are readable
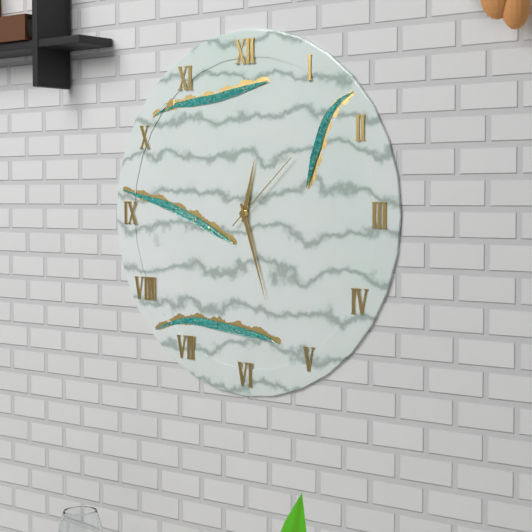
12:27:08
